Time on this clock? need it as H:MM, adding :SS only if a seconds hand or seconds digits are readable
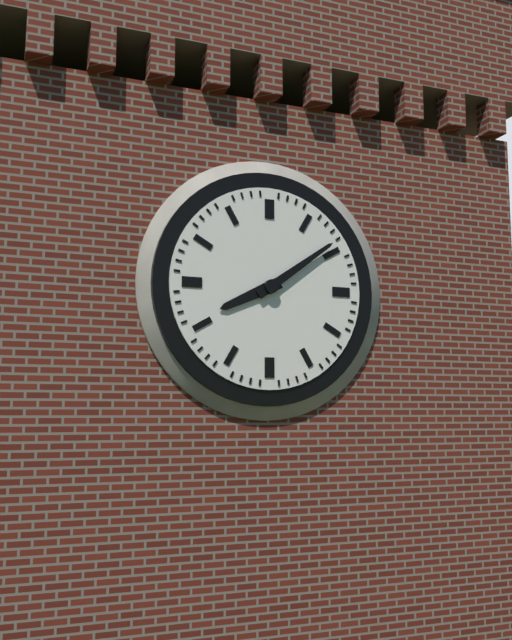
8:09
